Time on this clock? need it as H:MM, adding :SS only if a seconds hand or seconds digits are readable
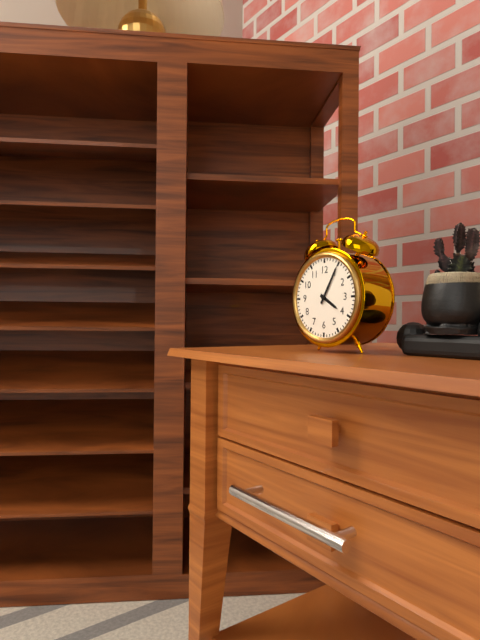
4:05
